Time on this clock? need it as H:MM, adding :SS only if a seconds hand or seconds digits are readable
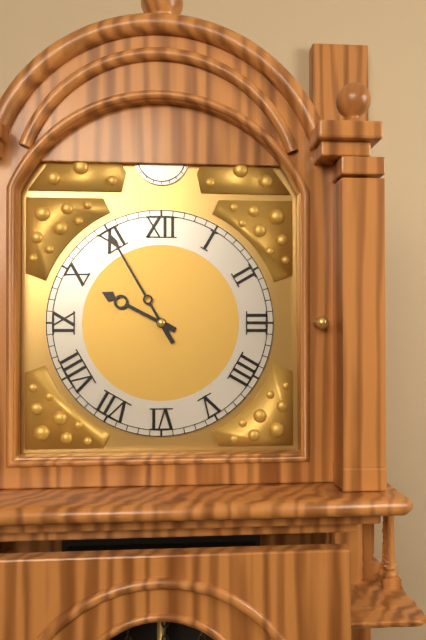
9:55
